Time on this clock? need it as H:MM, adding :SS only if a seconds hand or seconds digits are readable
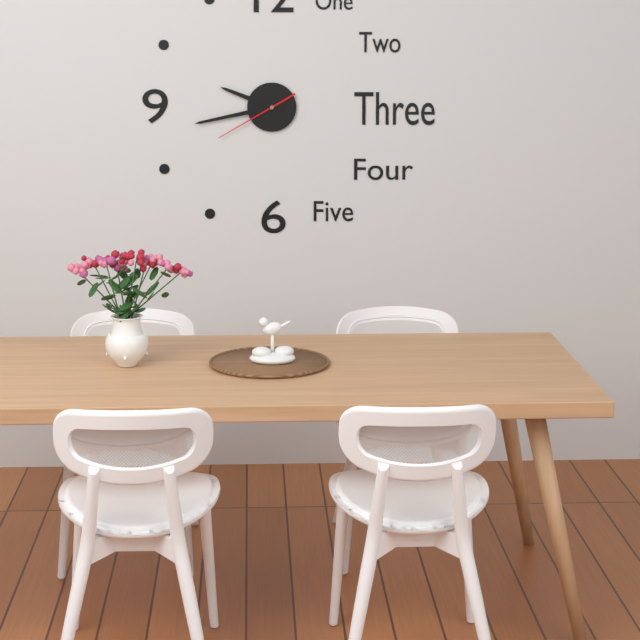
9:43:40
